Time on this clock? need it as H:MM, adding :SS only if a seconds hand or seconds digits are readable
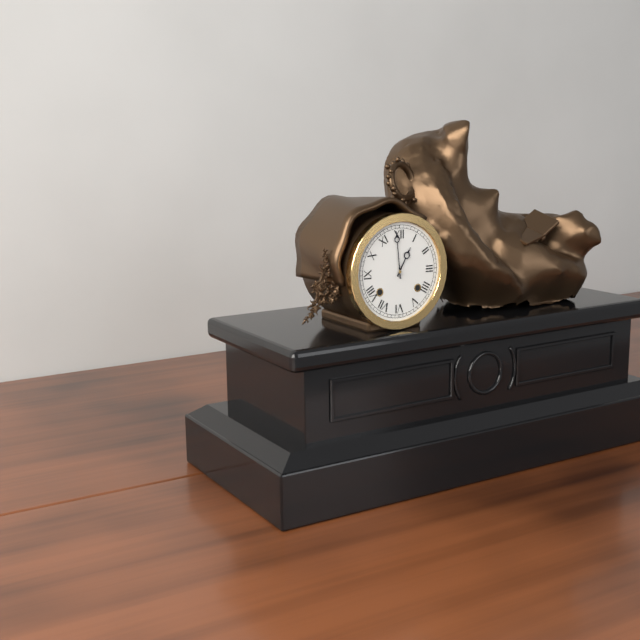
12:59
